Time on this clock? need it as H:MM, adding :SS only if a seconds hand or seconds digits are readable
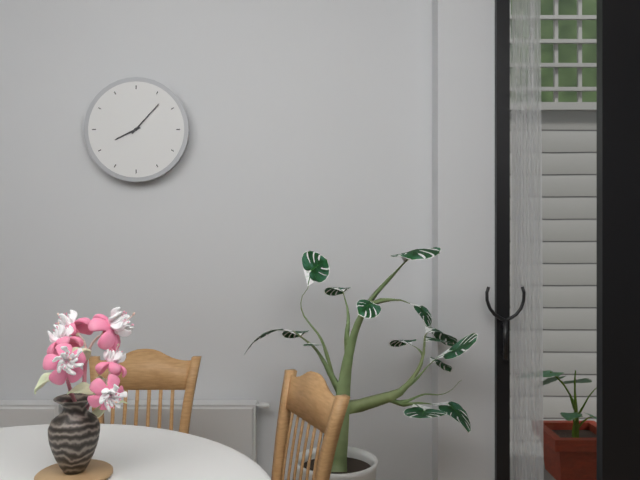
8:07
